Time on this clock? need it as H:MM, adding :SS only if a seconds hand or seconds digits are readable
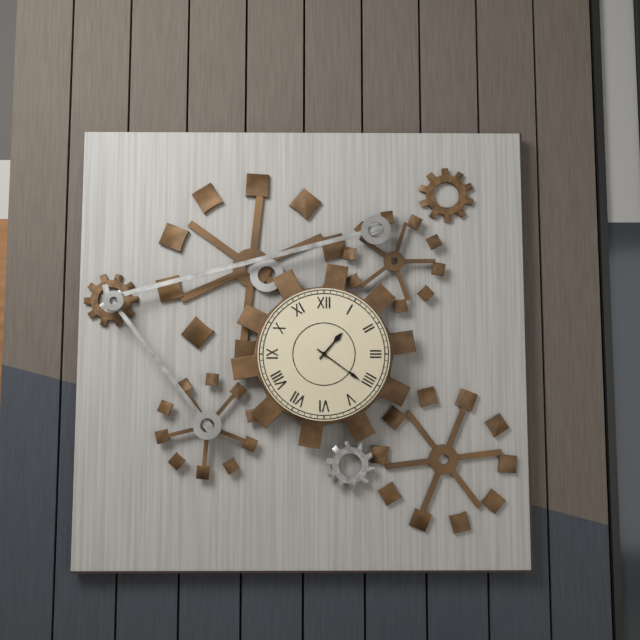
1:21
